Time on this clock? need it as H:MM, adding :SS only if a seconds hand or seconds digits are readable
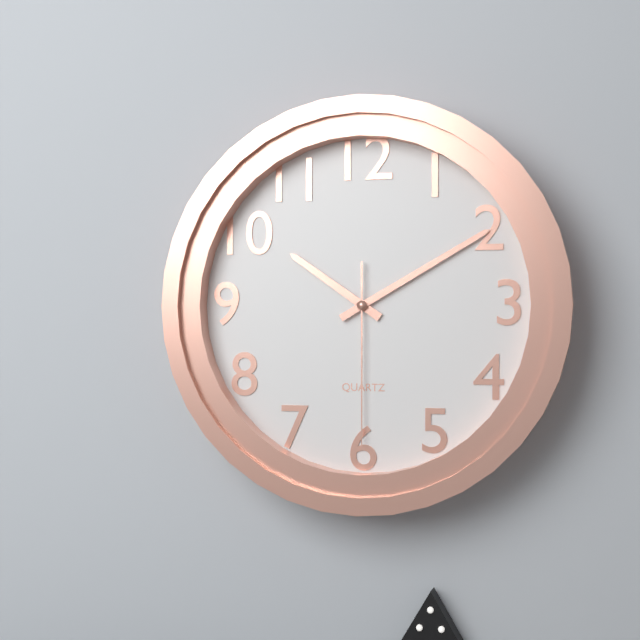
10:10:30
